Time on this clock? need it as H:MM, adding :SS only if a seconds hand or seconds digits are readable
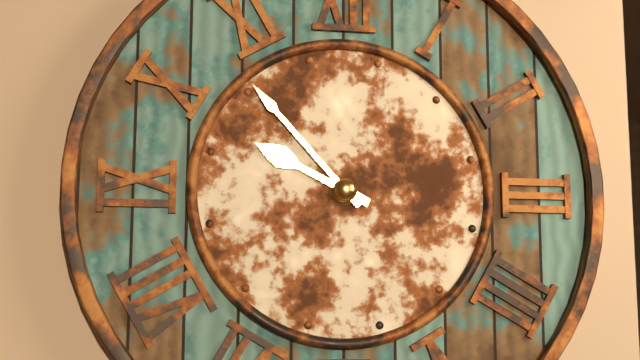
9:53
